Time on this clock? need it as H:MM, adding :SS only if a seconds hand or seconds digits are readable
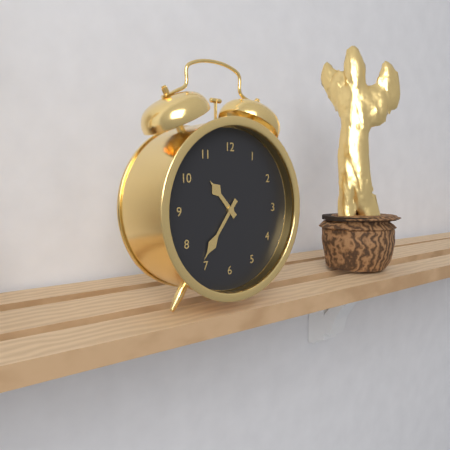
10:36
